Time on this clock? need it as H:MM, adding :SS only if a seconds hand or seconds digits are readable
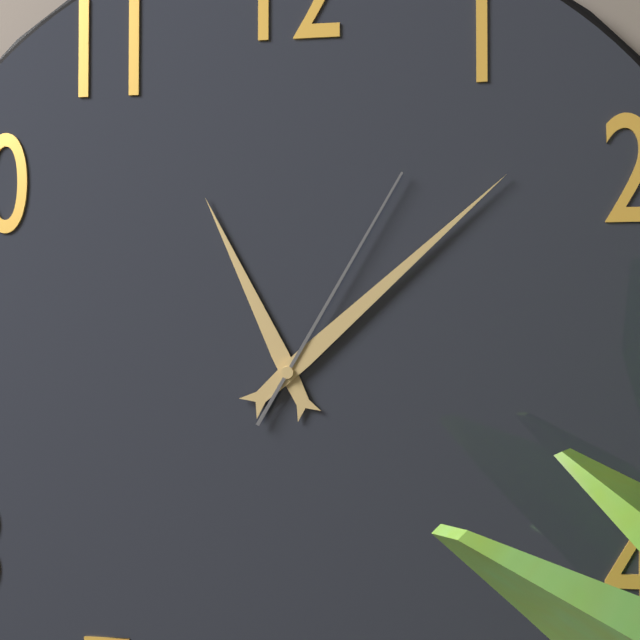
11:08:05
